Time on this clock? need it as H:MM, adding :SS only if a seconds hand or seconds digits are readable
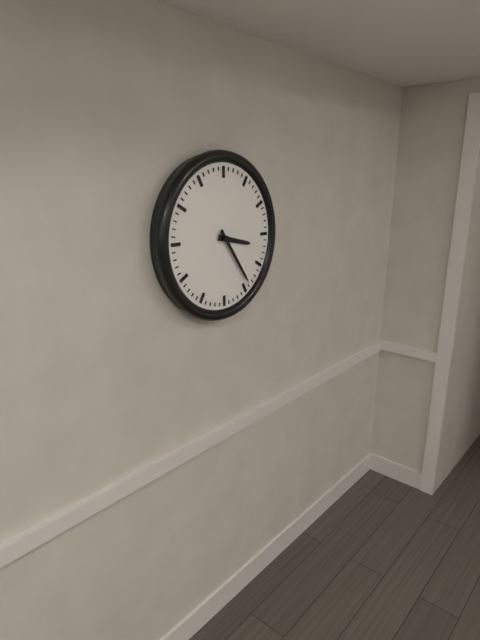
3:24
